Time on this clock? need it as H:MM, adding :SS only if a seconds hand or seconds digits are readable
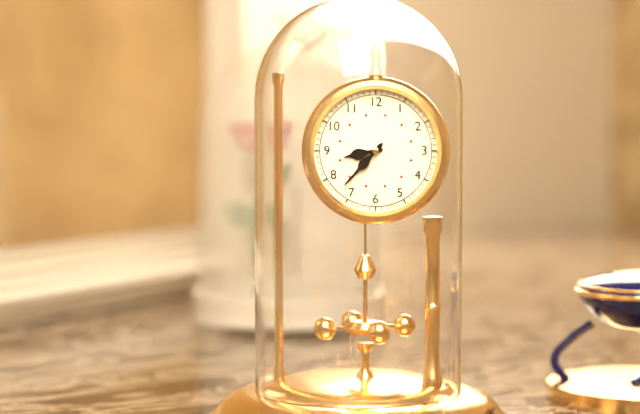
8:37
